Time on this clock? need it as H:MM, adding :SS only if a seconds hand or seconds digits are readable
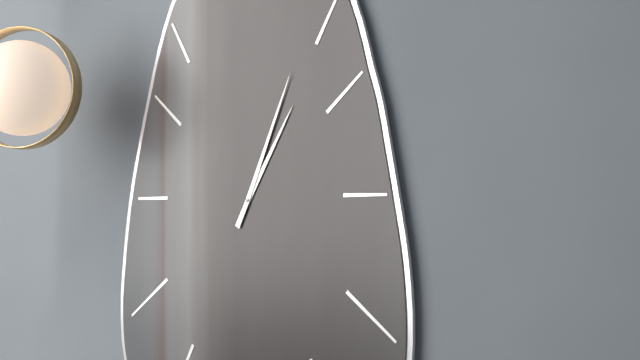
1:04
